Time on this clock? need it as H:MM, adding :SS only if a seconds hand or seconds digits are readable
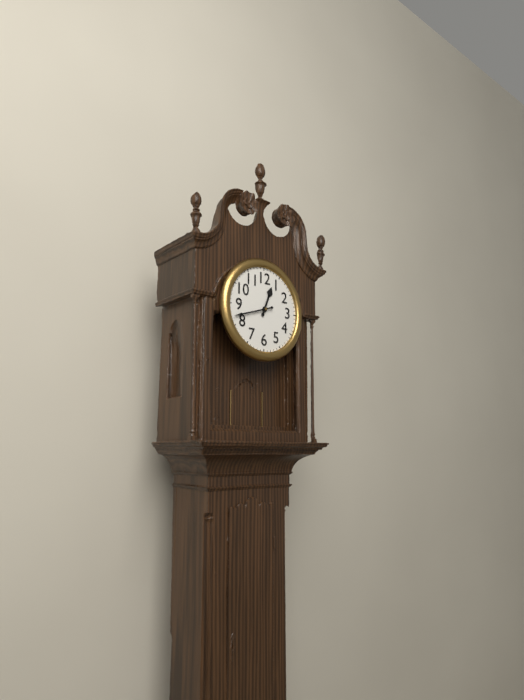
12:42
